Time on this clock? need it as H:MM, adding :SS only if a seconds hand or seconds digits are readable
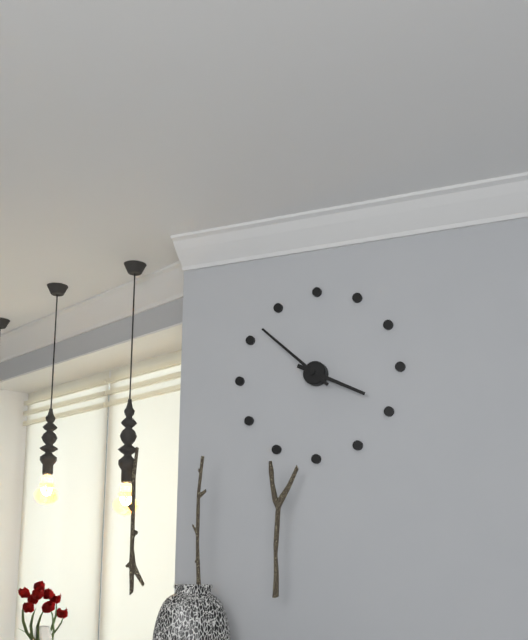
3:52
